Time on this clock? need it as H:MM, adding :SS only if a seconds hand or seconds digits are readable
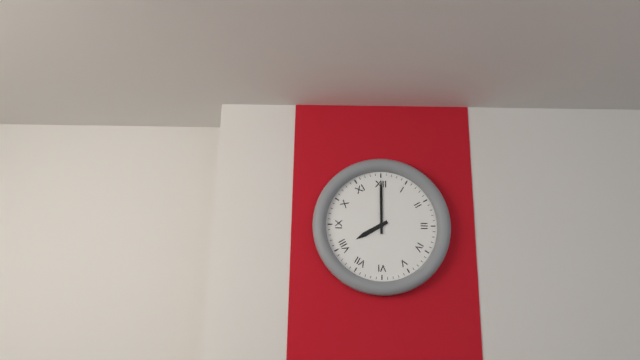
8:00
